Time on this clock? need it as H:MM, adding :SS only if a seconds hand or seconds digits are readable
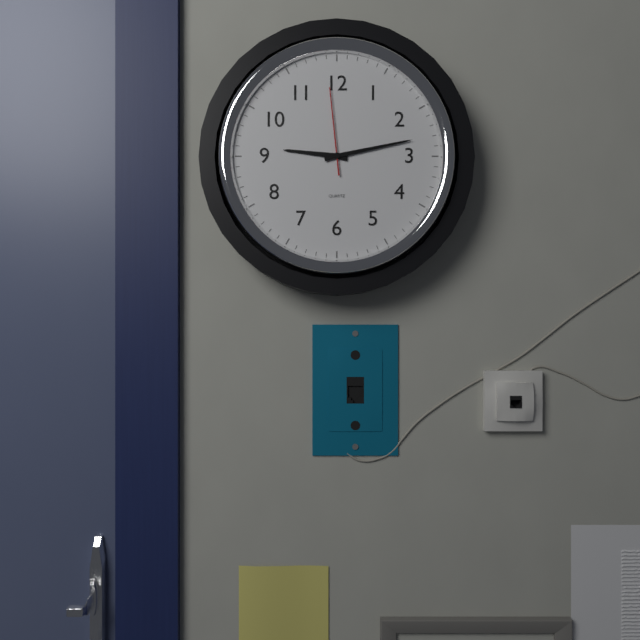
9:13:59
